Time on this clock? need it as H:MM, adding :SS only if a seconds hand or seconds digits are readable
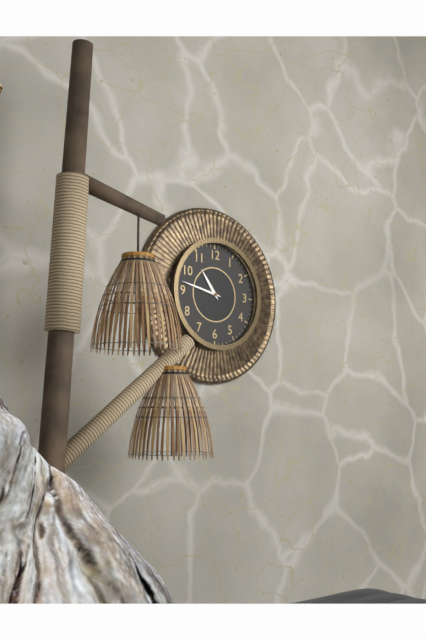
10:47
